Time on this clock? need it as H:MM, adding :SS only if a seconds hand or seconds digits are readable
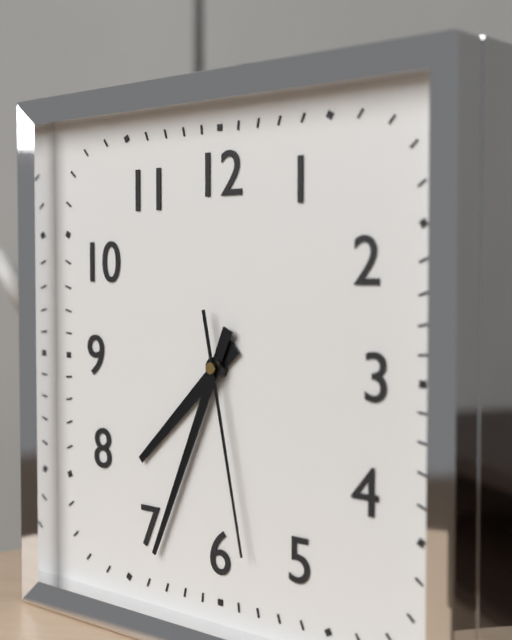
7:34:28
